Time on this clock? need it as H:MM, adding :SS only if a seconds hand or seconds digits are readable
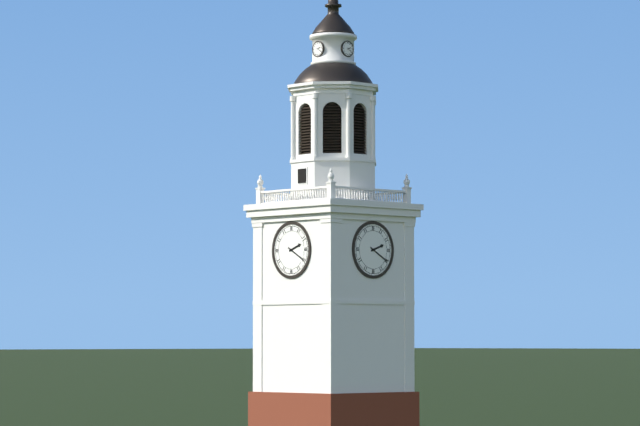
2:20
